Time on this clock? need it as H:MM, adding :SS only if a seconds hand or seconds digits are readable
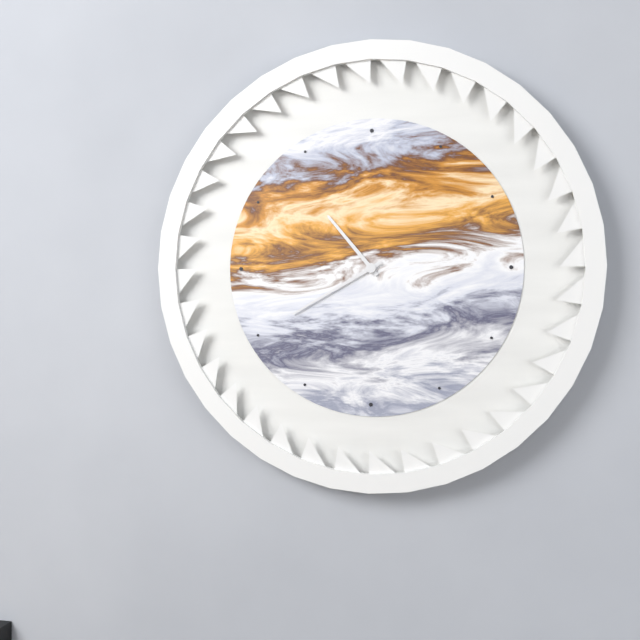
10:40
